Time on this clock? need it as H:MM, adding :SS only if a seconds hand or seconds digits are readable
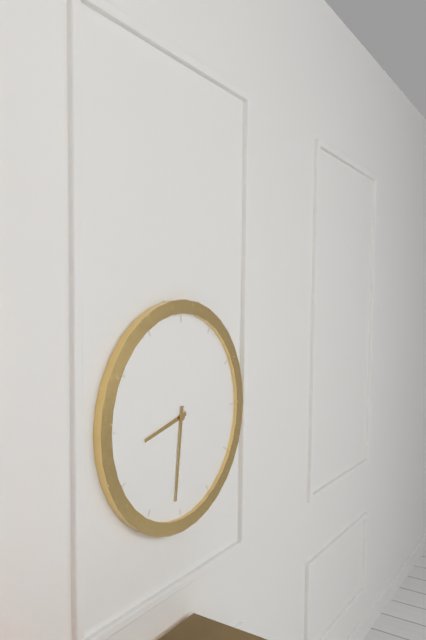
8:31
